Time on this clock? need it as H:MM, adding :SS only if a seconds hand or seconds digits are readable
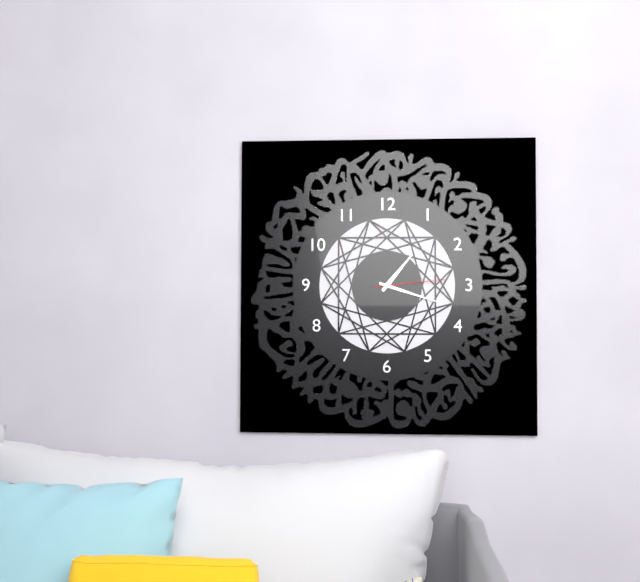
1:18:14
